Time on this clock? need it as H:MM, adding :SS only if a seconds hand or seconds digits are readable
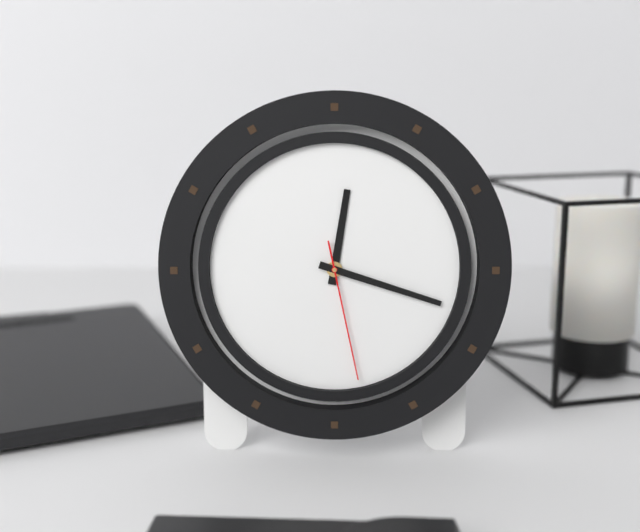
12:18:28
